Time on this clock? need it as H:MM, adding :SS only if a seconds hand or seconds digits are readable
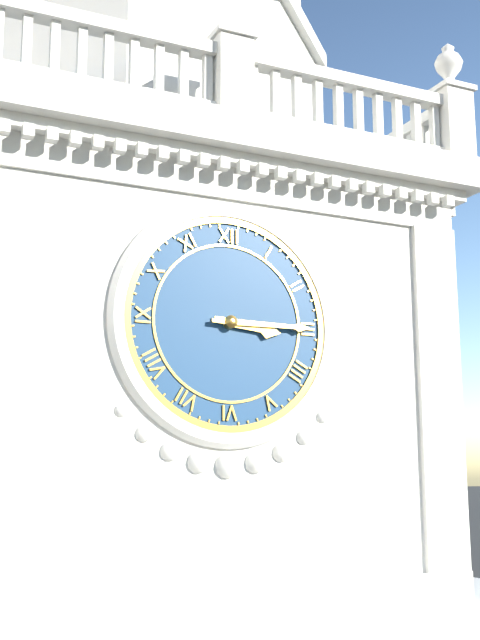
3:15
